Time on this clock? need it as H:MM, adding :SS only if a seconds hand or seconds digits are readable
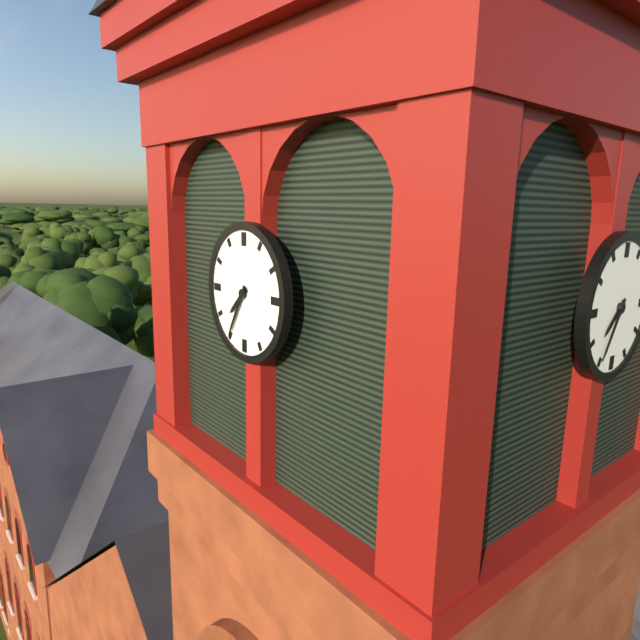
7:35
